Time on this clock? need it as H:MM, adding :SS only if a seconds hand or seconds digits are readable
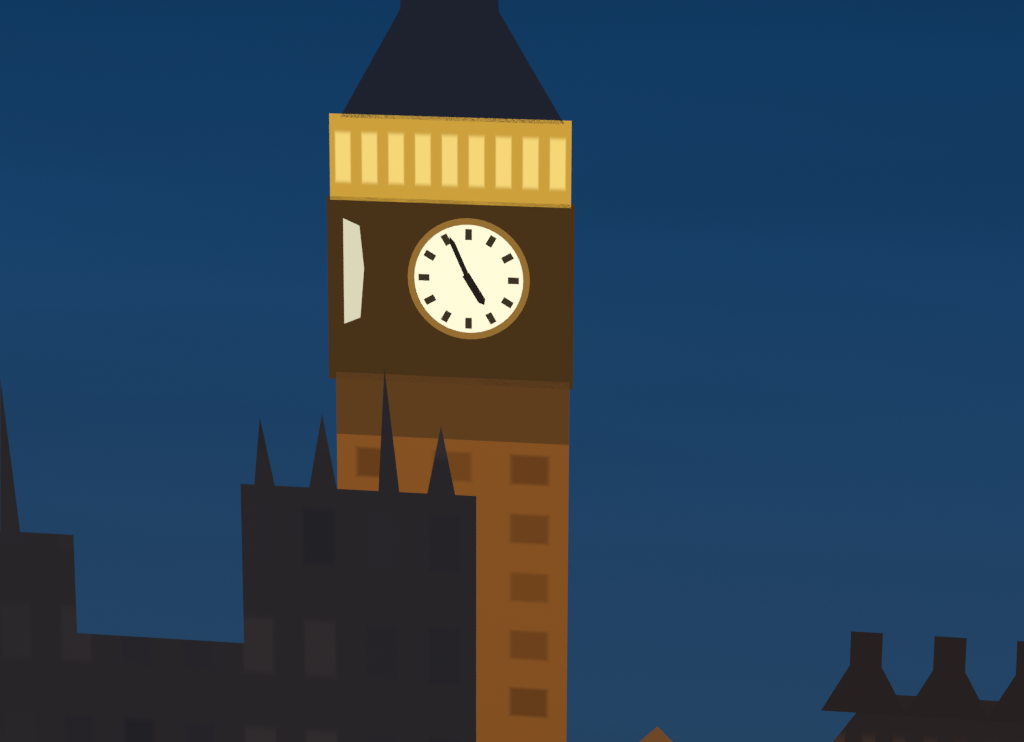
4:56
